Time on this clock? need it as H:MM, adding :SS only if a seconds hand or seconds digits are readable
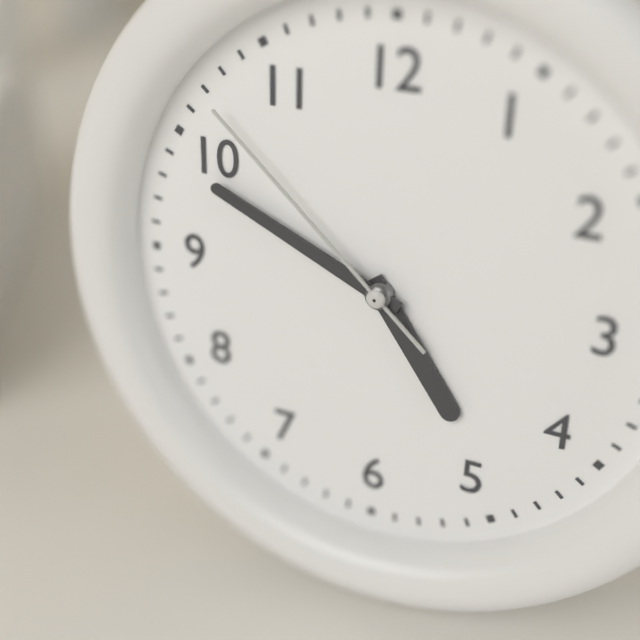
4:49:52
